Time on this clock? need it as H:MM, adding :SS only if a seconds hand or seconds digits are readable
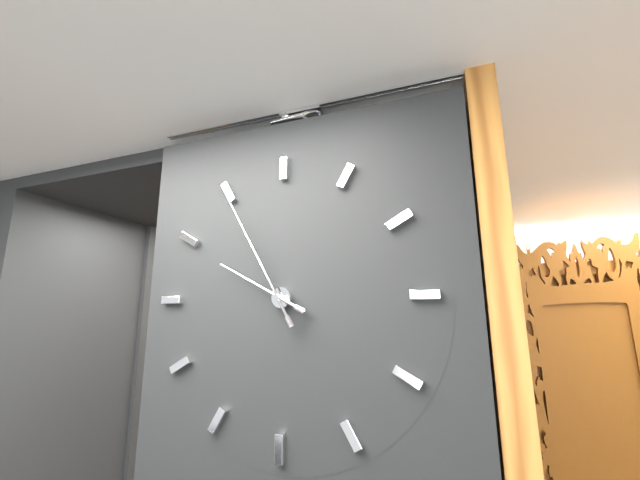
9:55
